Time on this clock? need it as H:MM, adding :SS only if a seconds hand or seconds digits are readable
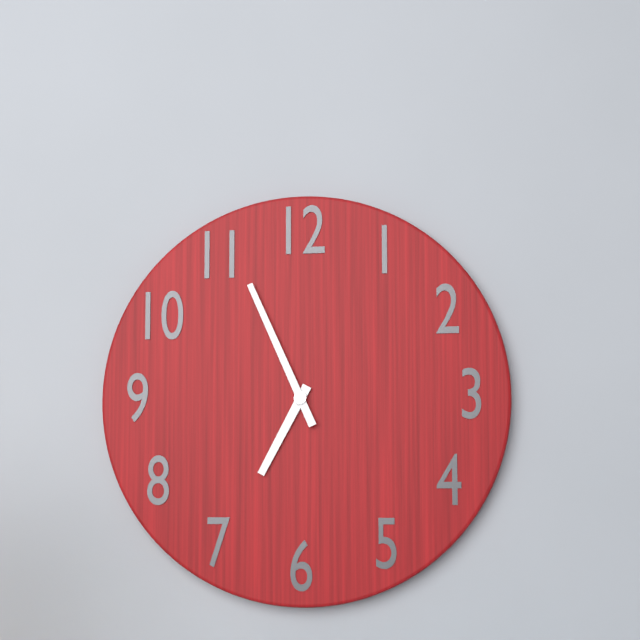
6:56
